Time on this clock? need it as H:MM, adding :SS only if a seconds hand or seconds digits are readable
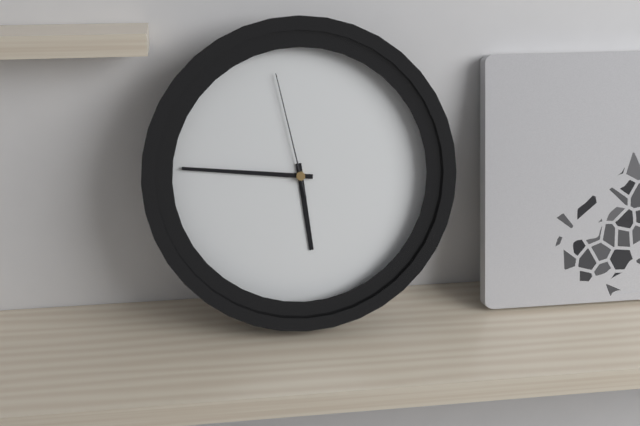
5:46:58
